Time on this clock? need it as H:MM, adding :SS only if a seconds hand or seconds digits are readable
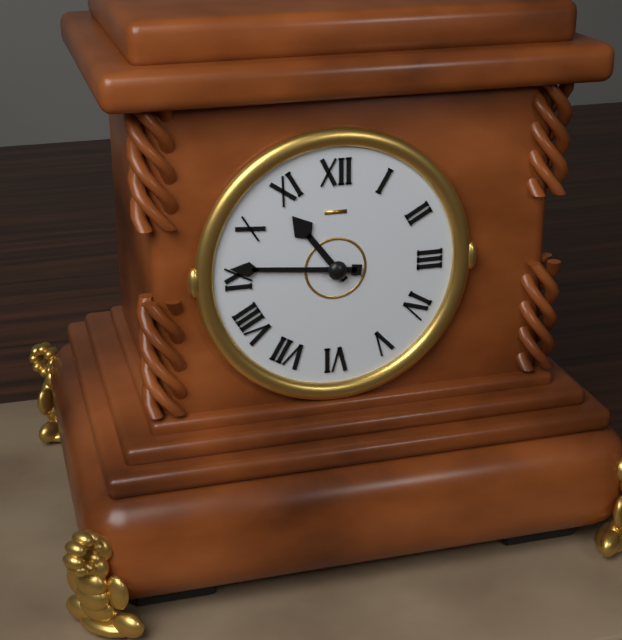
10:46
